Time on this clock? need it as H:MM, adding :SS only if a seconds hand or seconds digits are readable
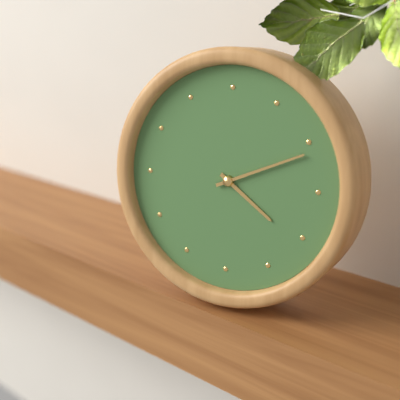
4:11
